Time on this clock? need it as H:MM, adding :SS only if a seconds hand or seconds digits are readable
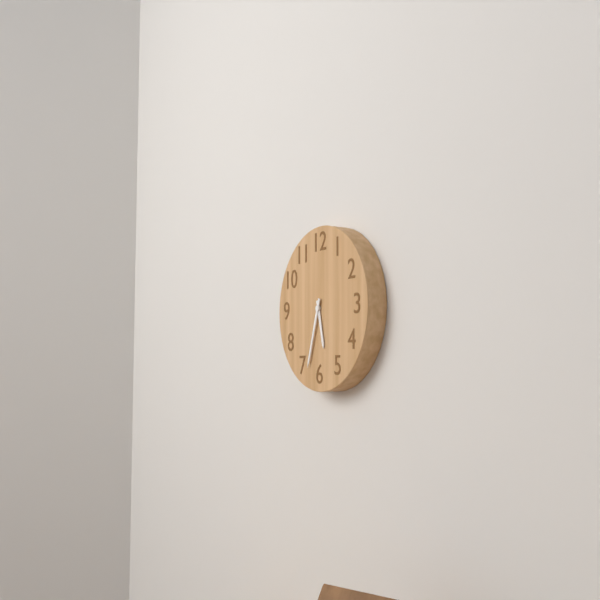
5:33
